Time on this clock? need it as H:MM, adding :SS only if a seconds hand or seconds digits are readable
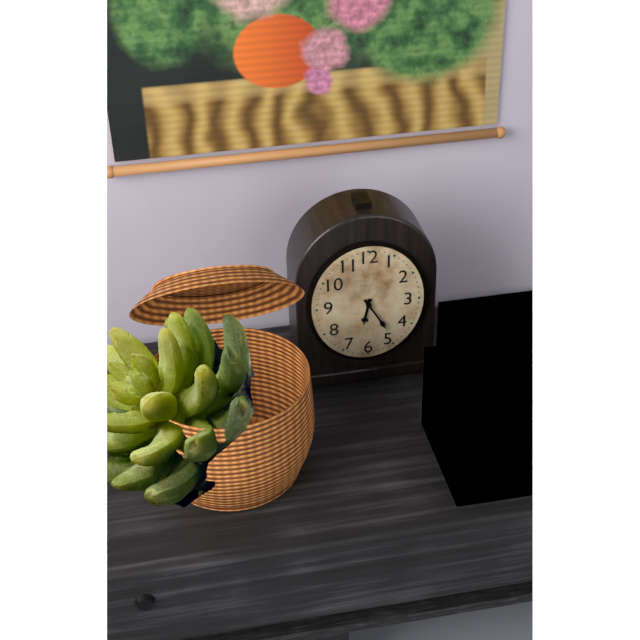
6:25
